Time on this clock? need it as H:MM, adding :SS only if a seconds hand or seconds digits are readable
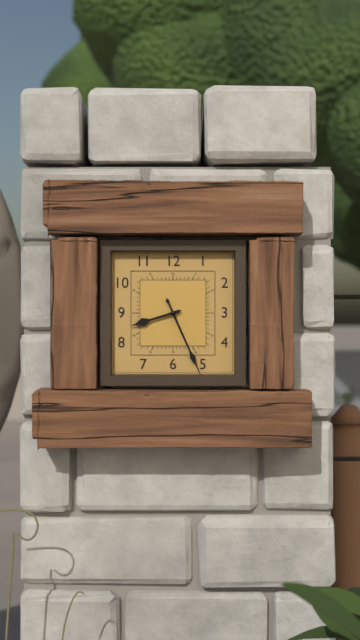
8:26
